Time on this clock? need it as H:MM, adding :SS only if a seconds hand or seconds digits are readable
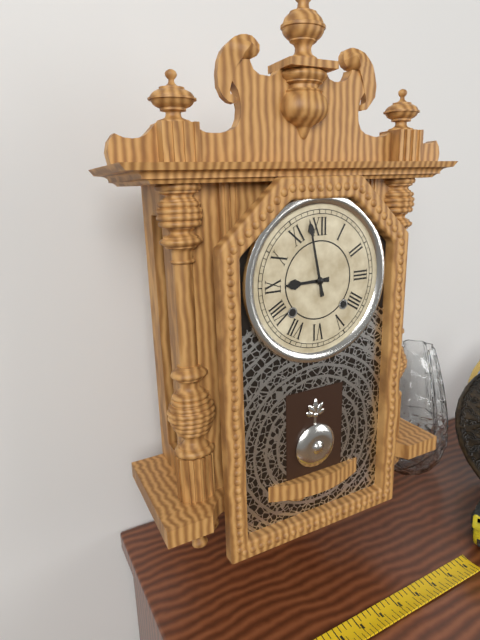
8:58
